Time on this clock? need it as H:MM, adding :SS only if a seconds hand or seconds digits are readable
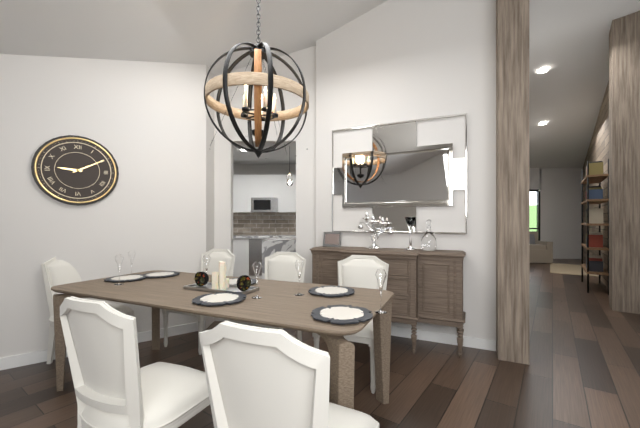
9:10
